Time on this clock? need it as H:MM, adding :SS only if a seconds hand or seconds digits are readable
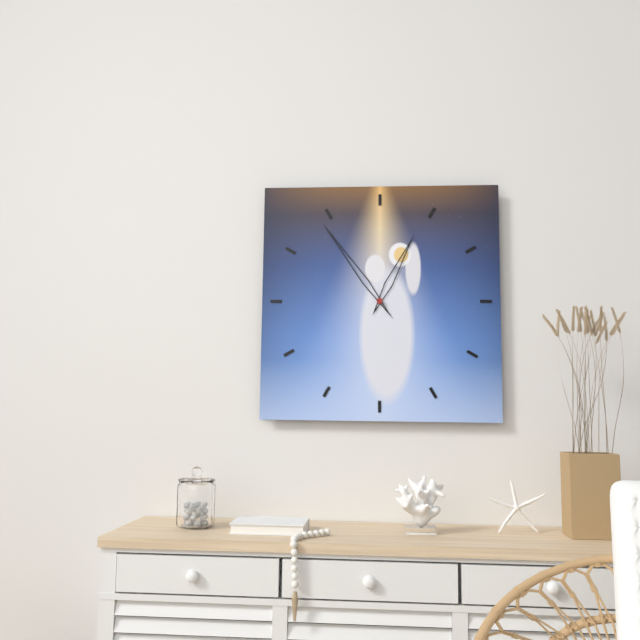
12:54
